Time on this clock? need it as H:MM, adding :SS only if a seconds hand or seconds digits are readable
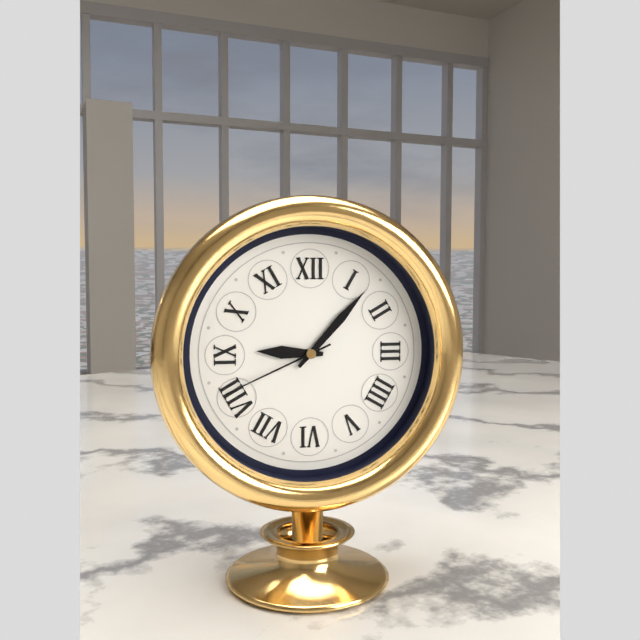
9:07:41
